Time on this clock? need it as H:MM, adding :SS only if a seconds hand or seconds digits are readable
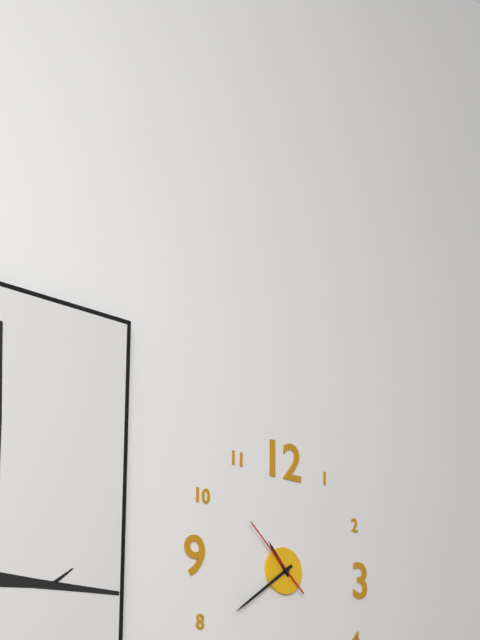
10:39:52
